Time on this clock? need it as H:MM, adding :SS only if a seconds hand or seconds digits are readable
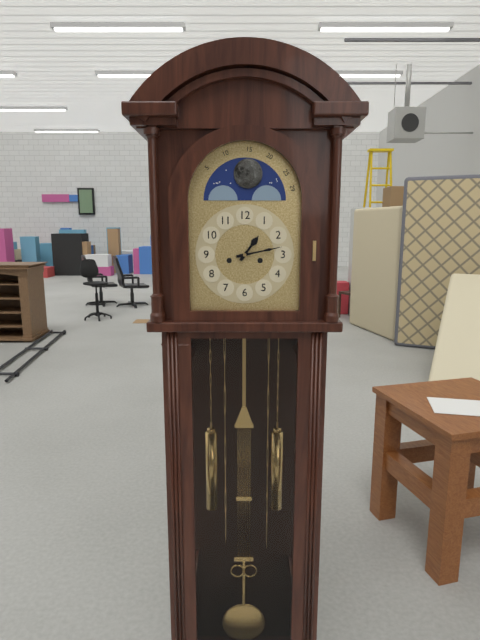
1:13
